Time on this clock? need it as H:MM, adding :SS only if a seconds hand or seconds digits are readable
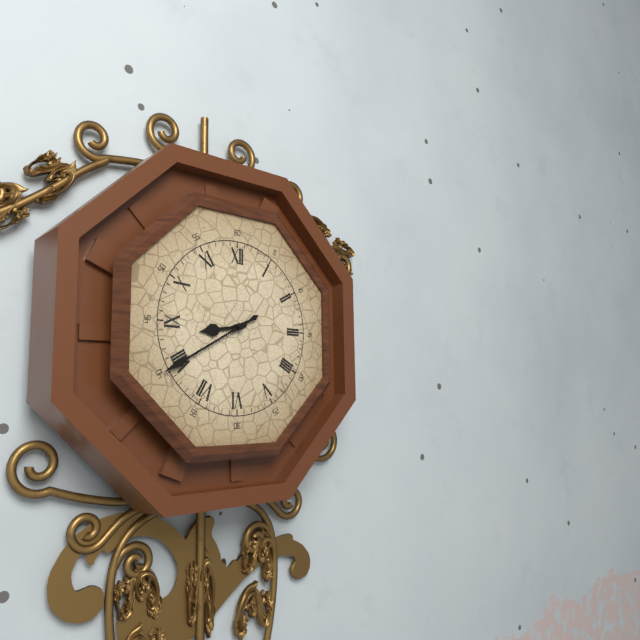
8:40
